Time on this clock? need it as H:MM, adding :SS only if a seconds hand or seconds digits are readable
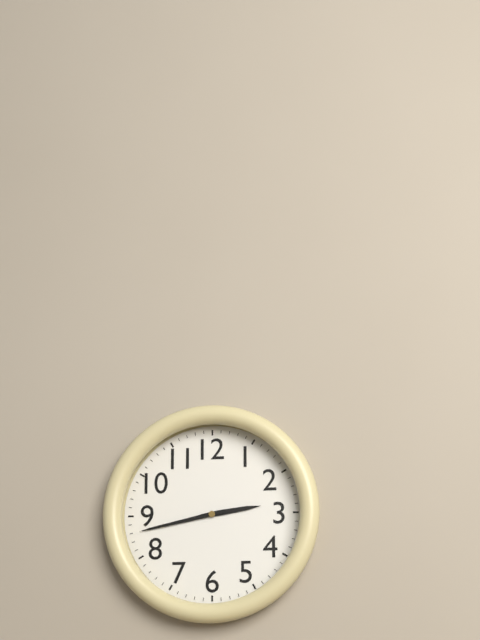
2:43
